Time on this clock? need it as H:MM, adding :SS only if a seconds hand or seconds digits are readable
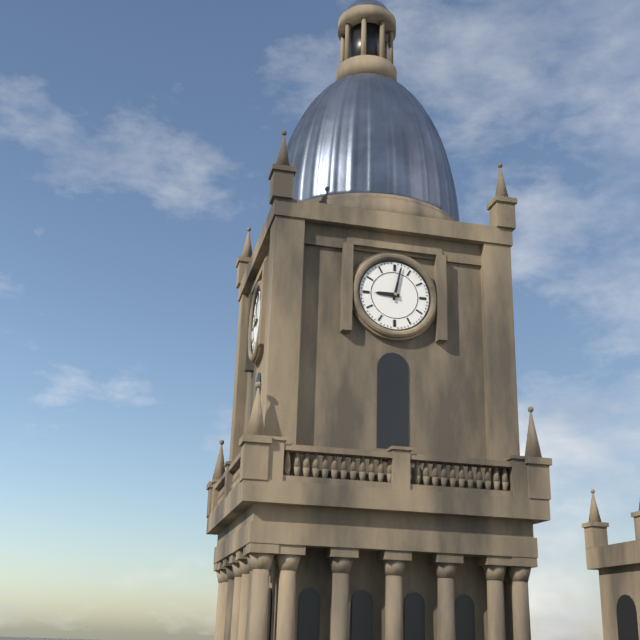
9:02
